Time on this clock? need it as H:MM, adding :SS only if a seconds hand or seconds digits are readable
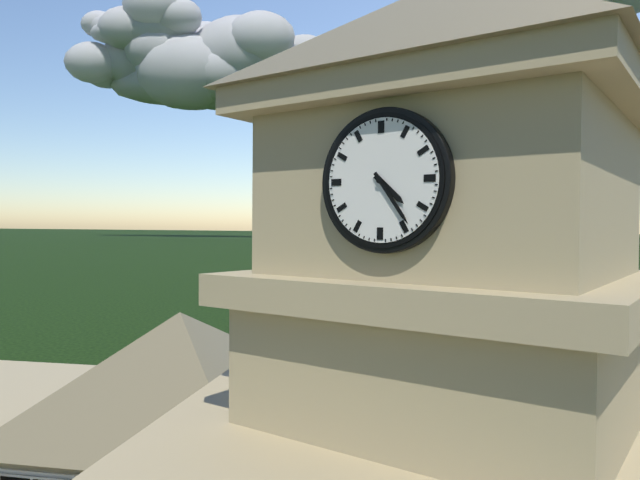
4:24
